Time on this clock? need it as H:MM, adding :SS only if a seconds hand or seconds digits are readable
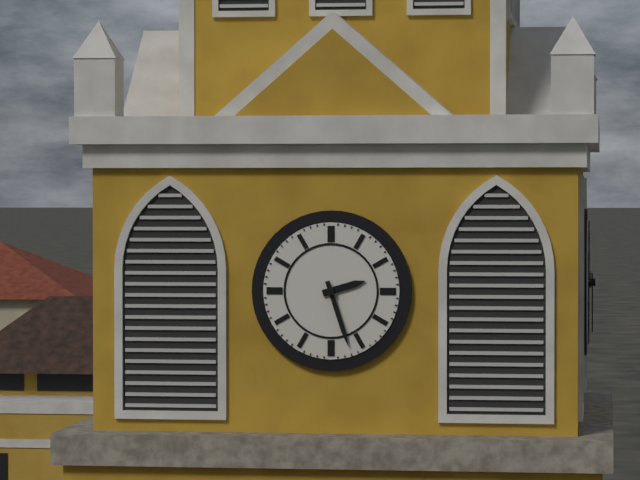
2:27
